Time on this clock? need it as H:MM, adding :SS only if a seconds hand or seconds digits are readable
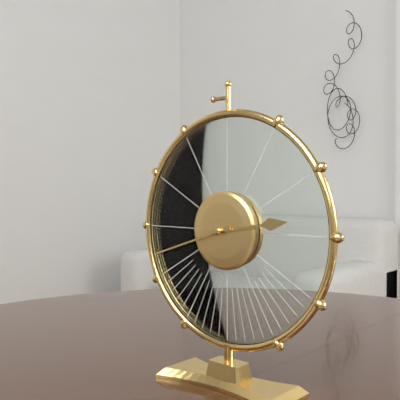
2:42
